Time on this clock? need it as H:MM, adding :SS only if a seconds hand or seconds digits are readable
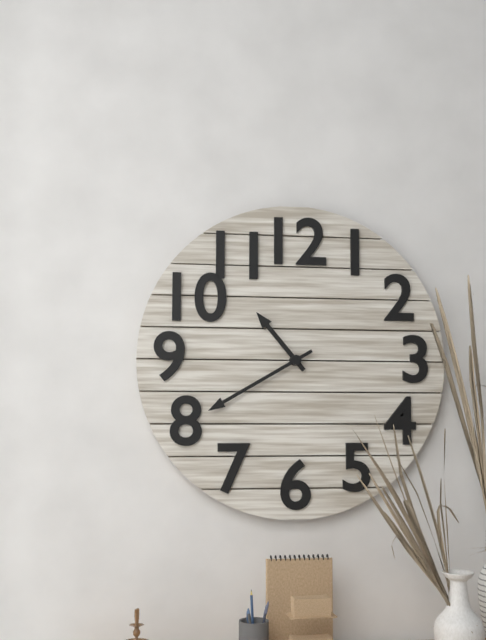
10:40
